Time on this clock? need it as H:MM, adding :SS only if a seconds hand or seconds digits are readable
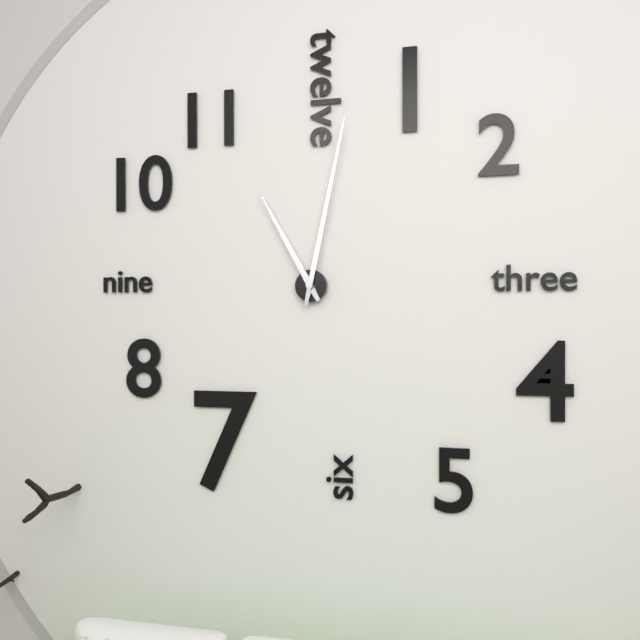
11:02
